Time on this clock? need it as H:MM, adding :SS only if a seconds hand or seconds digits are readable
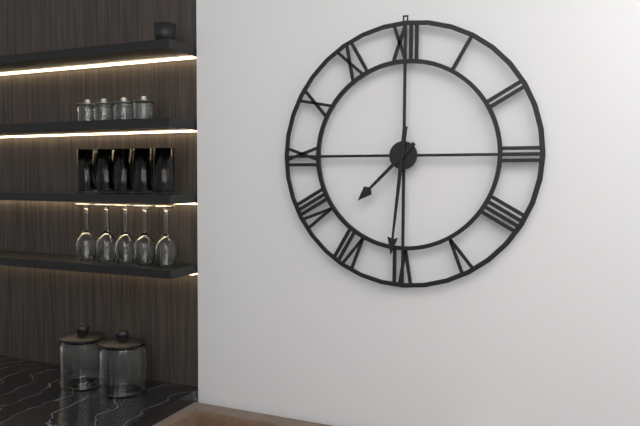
7:31
